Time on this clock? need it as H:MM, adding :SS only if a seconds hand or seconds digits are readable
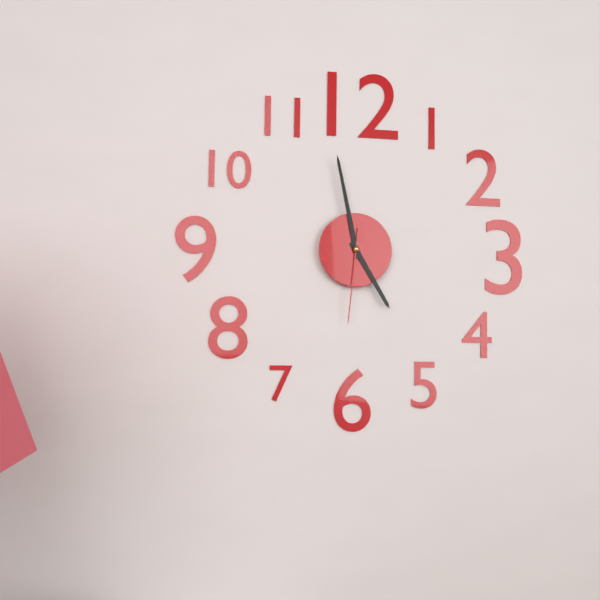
4:58:31
